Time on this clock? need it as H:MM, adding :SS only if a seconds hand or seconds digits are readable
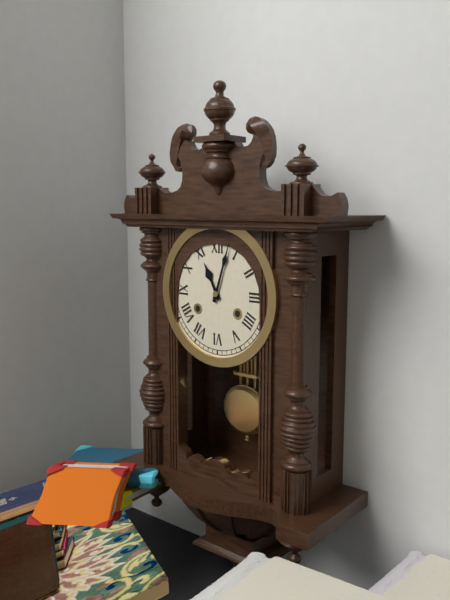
11:03
